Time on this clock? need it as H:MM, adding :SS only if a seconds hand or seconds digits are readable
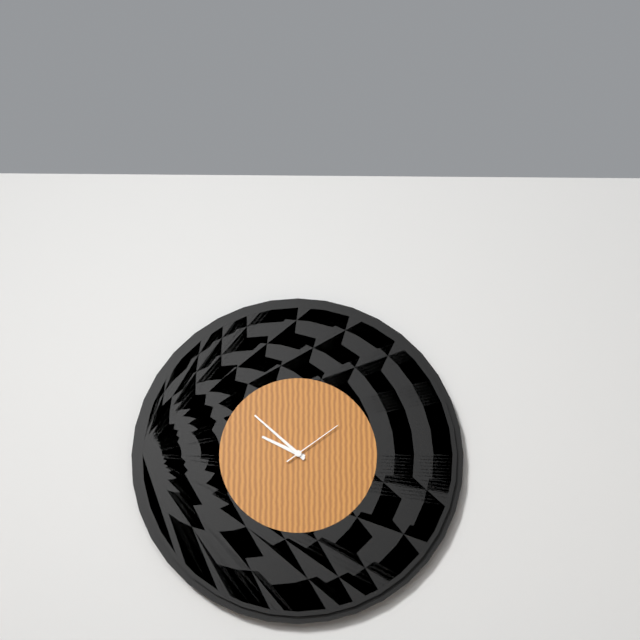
9:52:09
